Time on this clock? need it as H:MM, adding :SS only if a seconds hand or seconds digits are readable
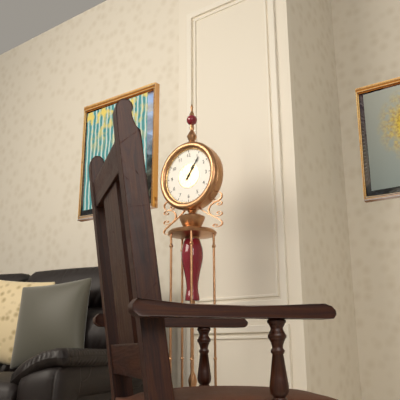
1:06
